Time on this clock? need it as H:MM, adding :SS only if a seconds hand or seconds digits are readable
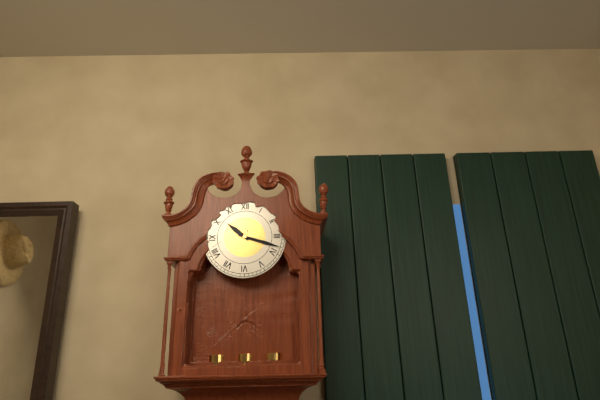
10:18
